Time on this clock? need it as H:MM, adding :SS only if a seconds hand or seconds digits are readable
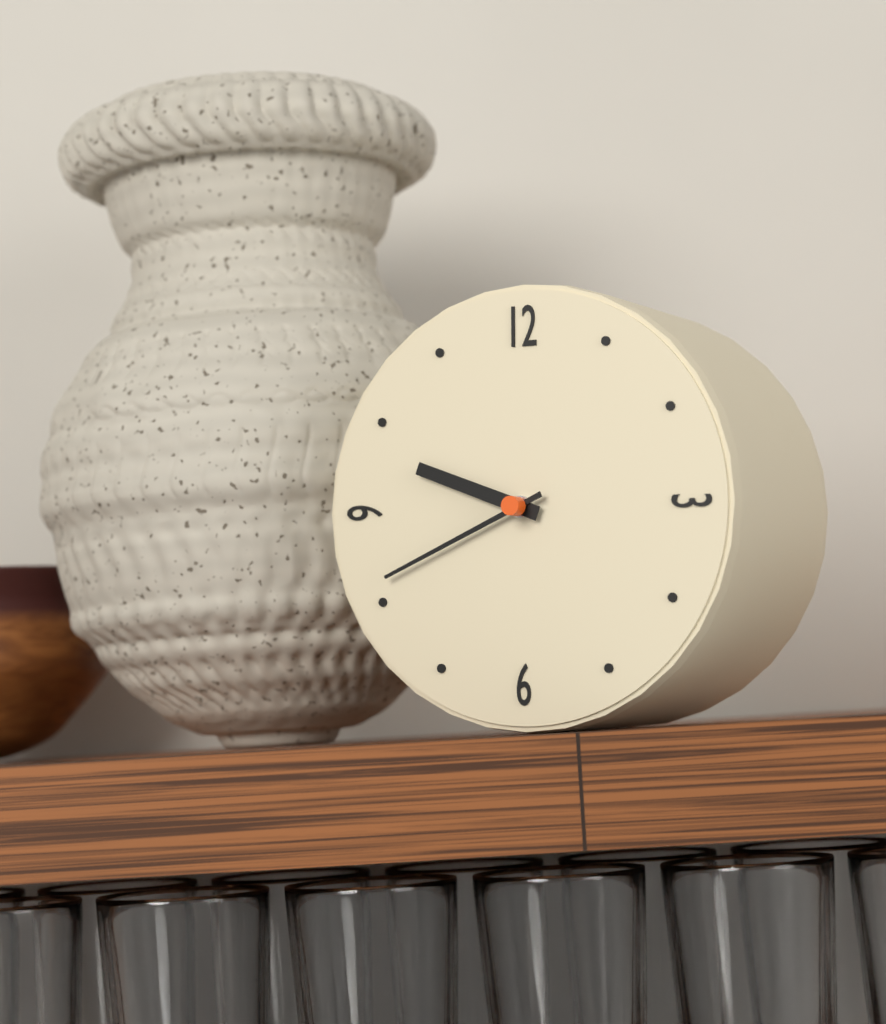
9:41
